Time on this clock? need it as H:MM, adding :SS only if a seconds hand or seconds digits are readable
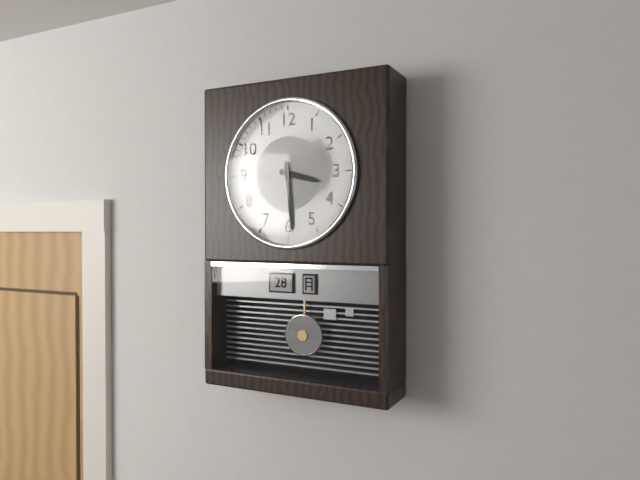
3:29
